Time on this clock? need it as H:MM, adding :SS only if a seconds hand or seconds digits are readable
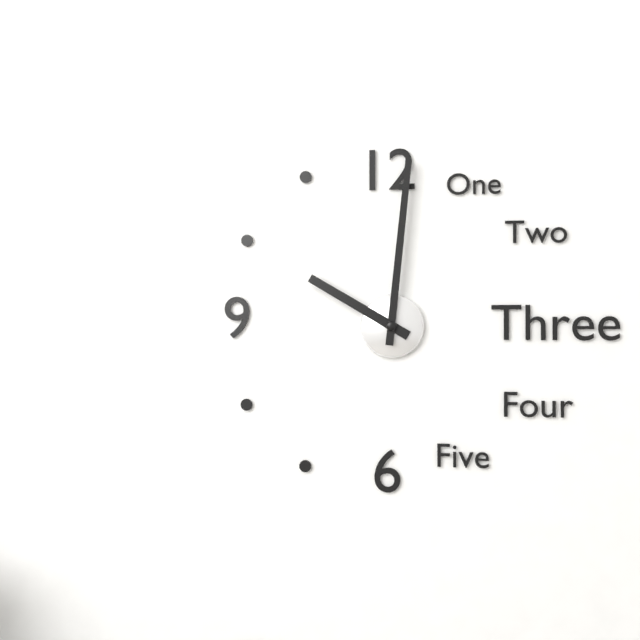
10:01
